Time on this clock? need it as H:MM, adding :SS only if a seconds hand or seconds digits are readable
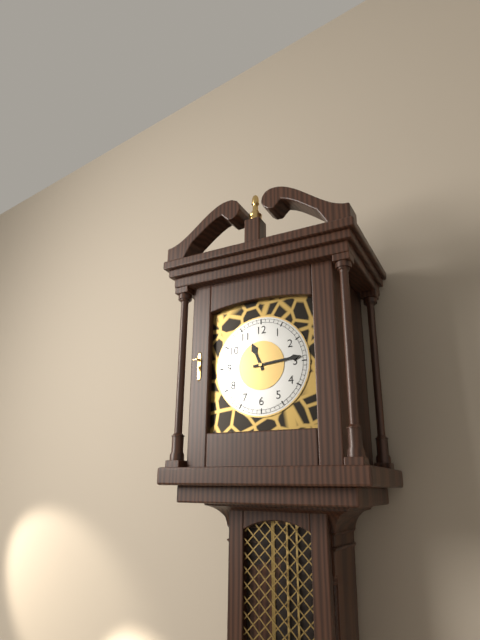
11:14
